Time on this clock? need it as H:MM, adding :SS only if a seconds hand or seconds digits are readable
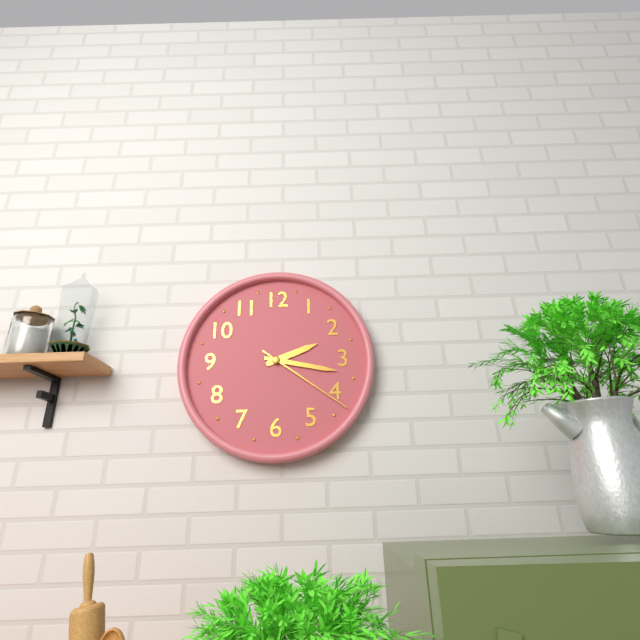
2:17:21
